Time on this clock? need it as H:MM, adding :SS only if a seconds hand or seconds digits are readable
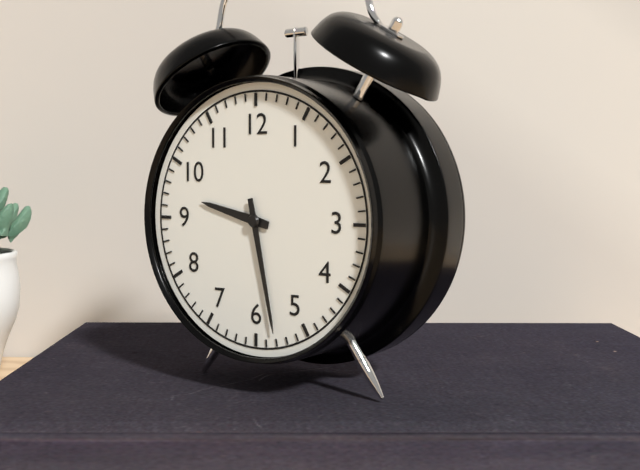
9:28
